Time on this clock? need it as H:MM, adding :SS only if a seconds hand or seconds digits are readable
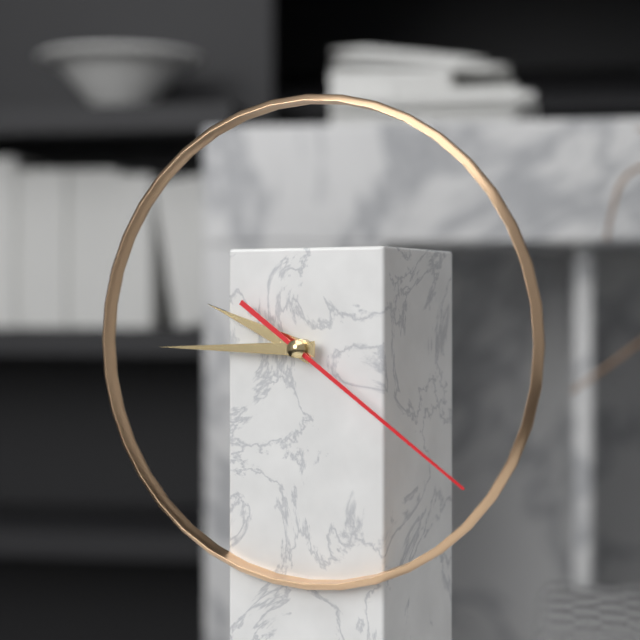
9:45:21
